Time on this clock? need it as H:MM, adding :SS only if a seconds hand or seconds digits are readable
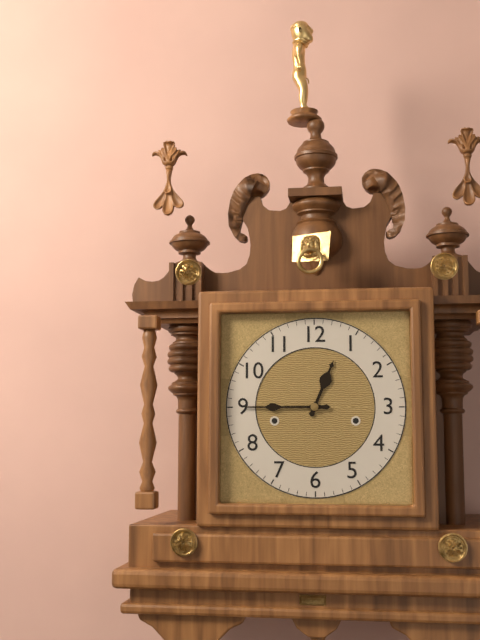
12:45
